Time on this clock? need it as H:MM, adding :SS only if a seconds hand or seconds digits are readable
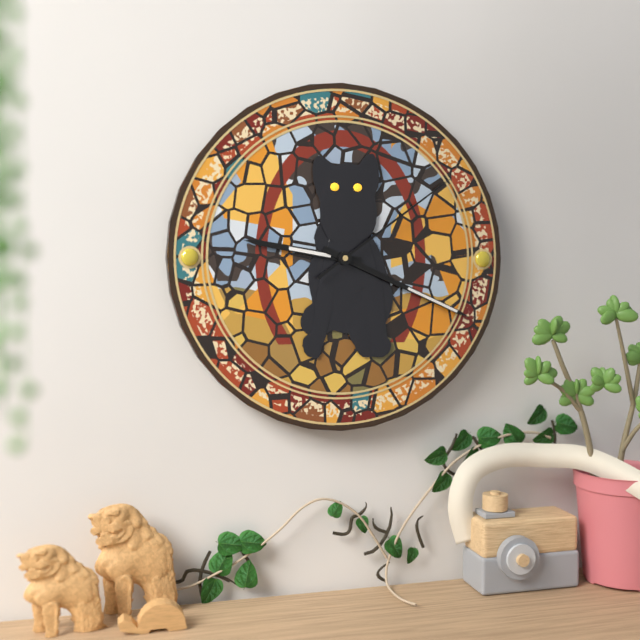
9:19:09
